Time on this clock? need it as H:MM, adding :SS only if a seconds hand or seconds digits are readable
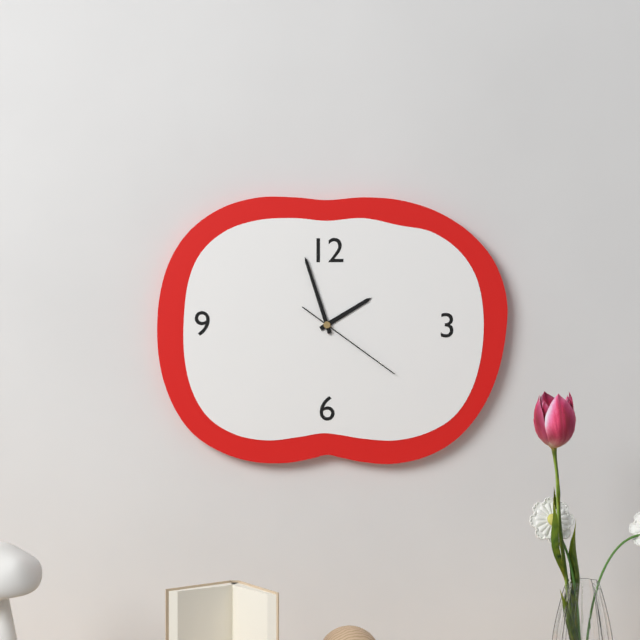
1:57:21
